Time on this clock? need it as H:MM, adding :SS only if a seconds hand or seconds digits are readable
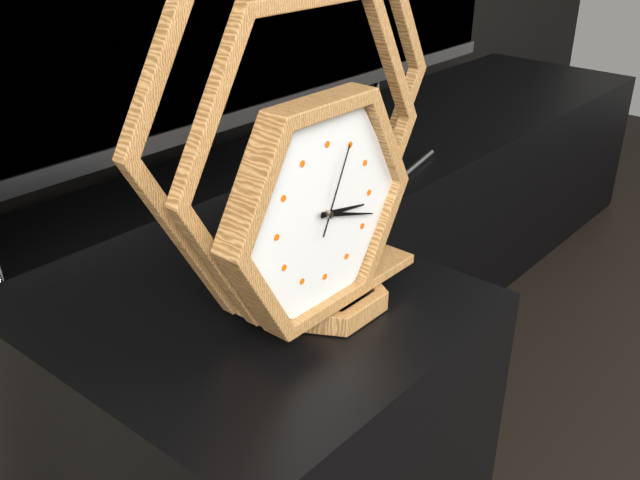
3:18:04
